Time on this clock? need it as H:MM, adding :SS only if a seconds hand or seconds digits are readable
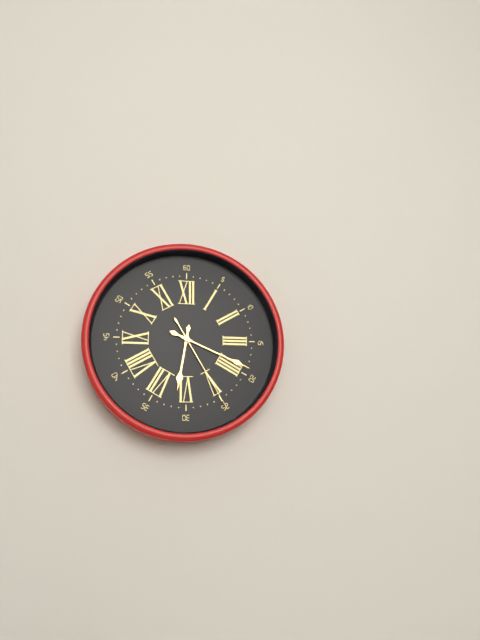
6:19:25
